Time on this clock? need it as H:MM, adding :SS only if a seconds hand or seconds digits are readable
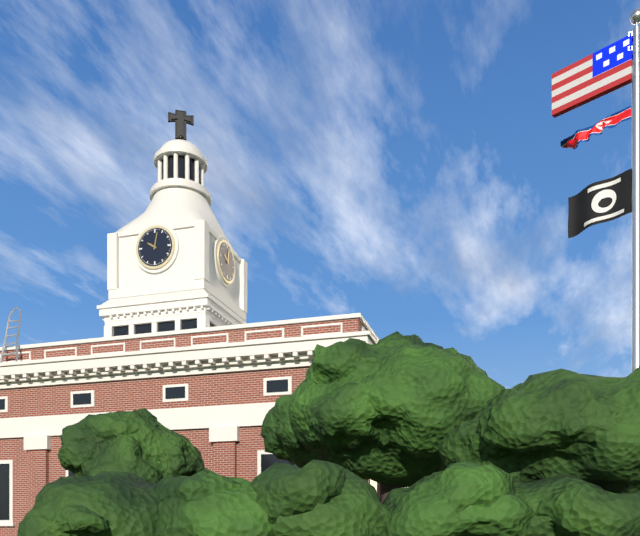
10:02
